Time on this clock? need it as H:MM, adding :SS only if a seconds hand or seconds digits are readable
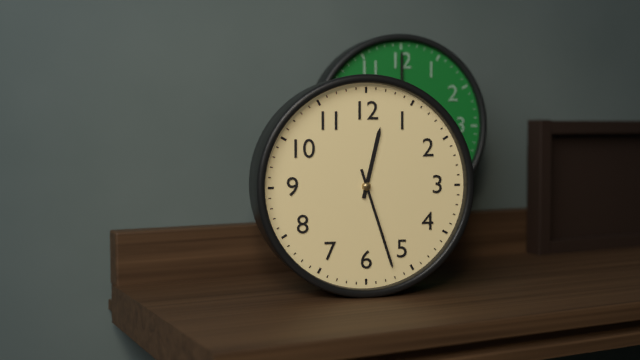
12:27
